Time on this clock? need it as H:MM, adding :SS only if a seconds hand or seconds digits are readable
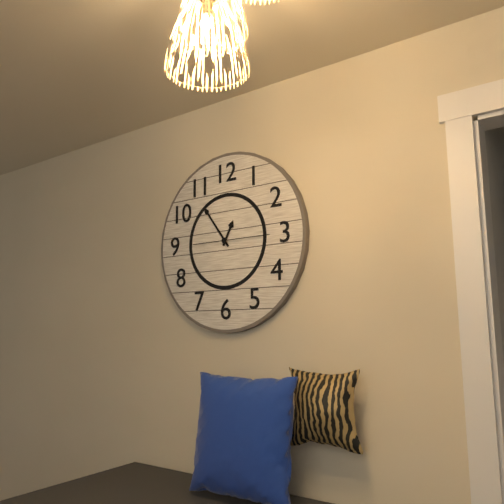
12:54:15
